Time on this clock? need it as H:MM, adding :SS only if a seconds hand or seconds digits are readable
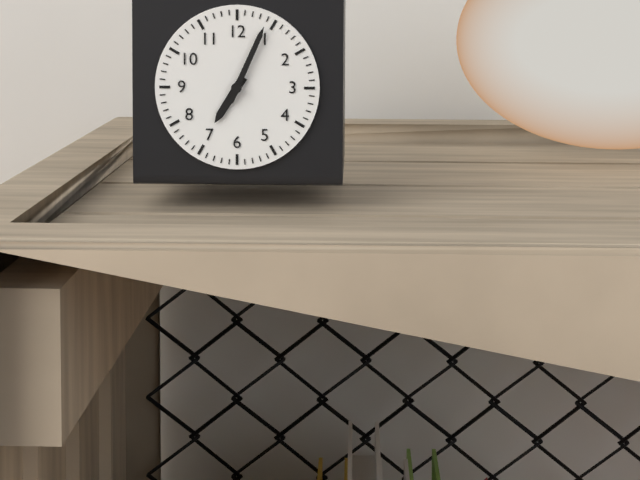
7:04
